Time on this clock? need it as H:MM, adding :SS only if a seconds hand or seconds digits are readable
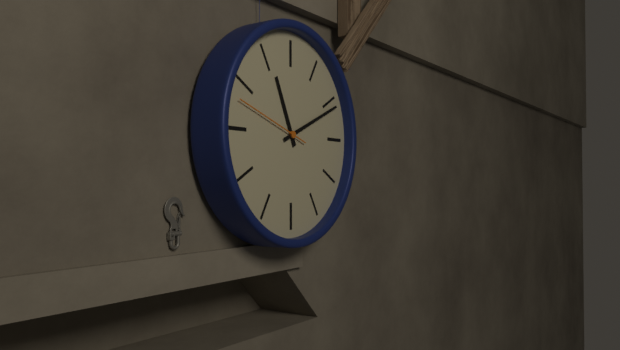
11:11:48
